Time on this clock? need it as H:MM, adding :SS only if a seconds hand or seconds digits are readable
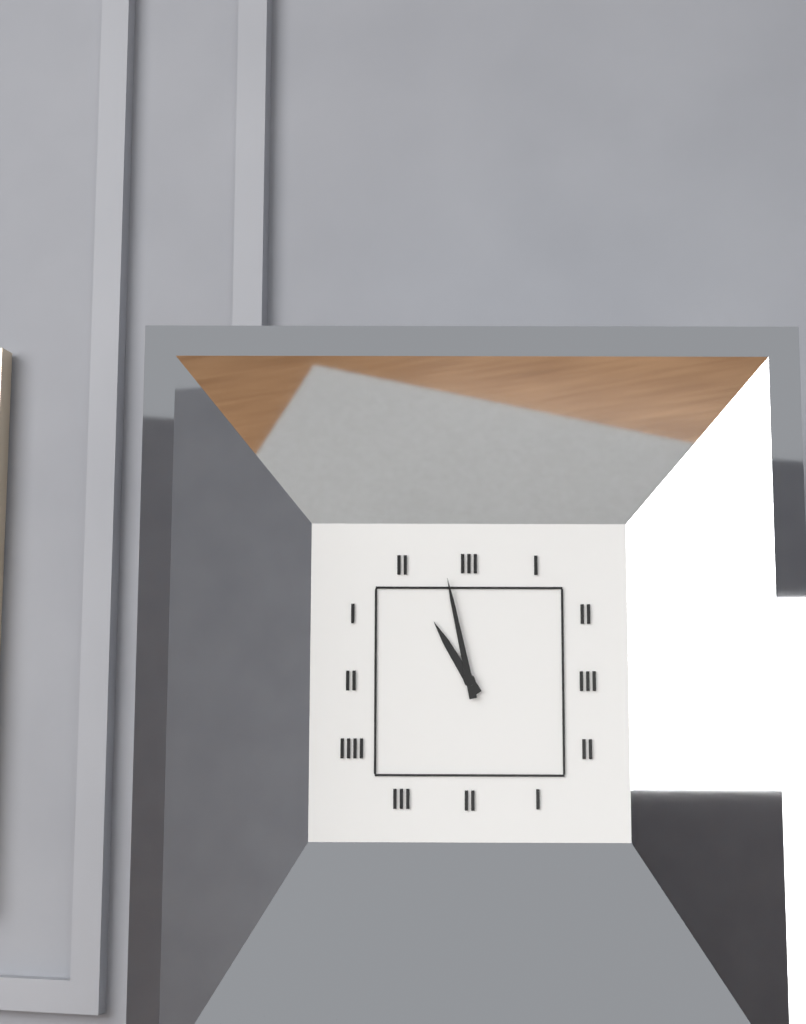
10:58
